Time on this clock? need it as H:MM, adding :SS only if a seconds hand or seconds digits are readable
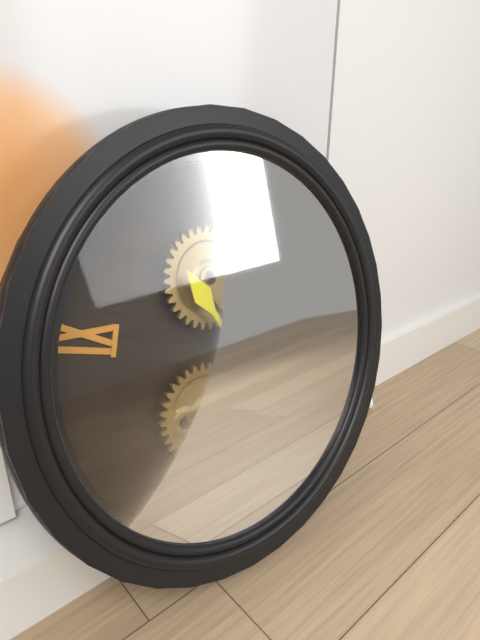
10:29
